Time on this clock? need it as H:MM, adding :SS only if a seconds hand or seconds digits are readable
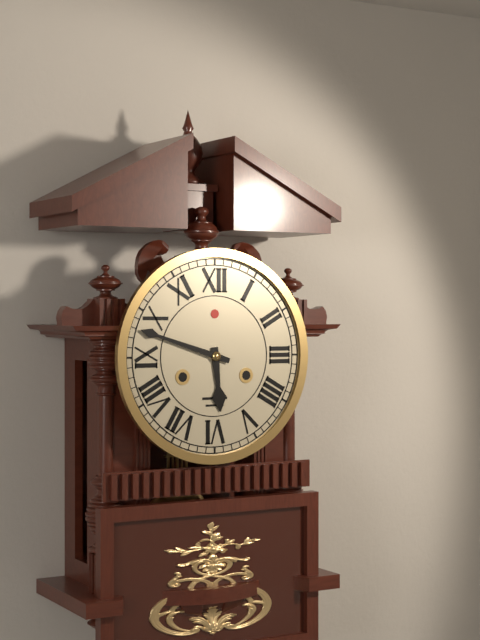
5:48
